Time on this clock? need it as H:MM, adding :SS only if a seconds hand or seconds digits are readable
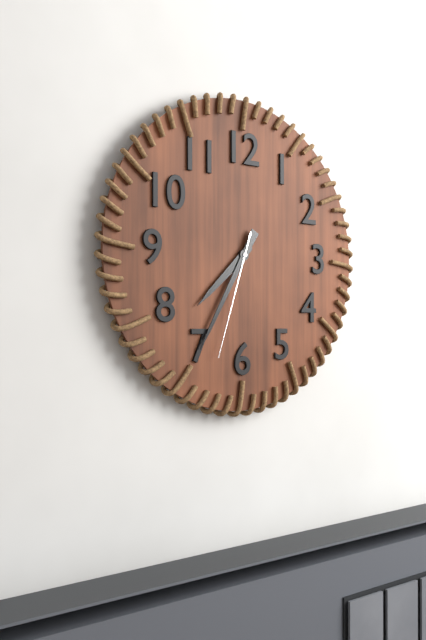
7:35:33
